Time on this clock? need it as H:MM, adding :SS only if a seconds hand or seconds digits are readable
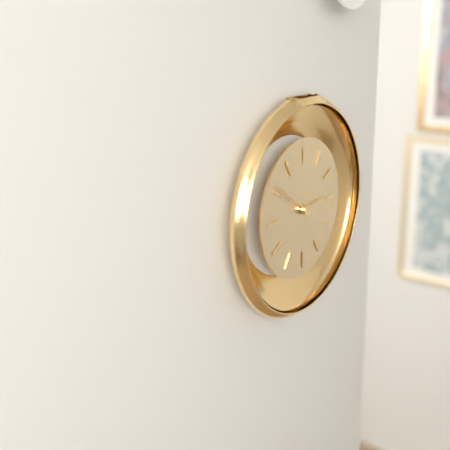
2:51
